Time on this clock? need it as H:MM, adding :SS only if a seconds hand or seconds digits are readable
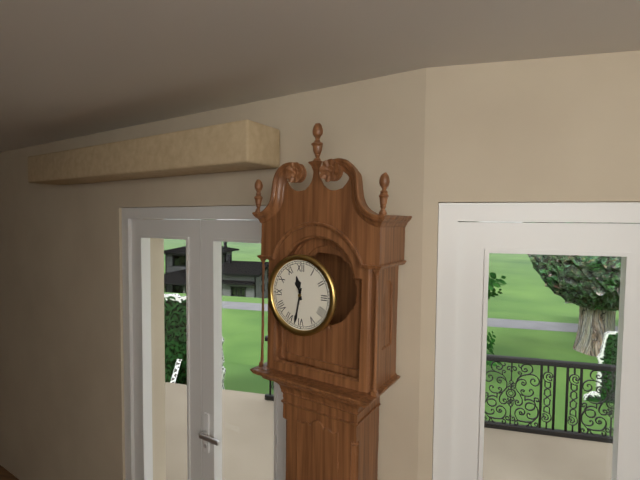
11:32
